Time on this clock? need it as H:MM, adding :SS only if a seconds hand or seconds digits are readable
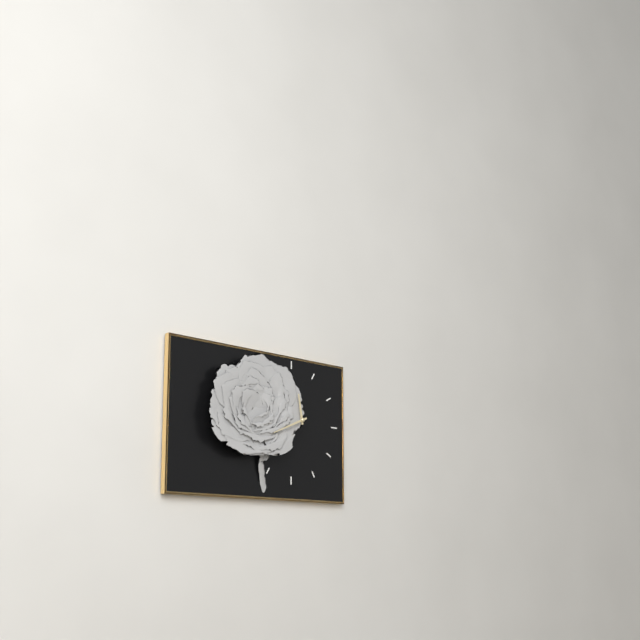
11:41
